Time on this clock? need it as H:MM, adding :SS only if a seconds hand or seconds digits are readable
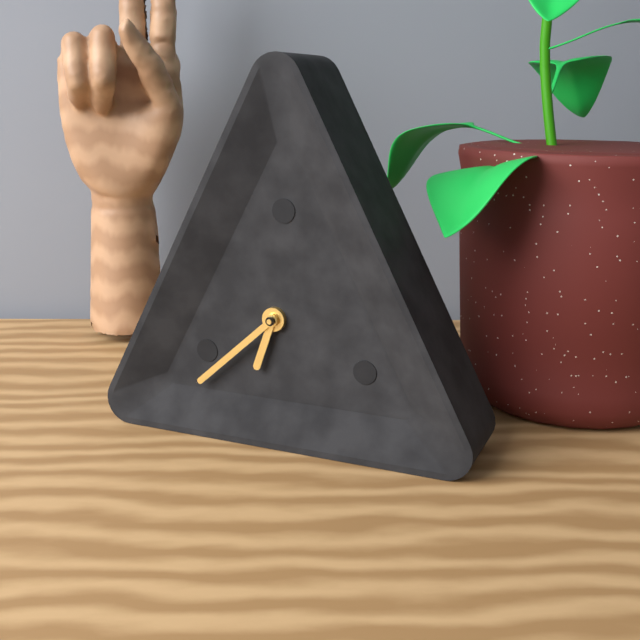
6:38
